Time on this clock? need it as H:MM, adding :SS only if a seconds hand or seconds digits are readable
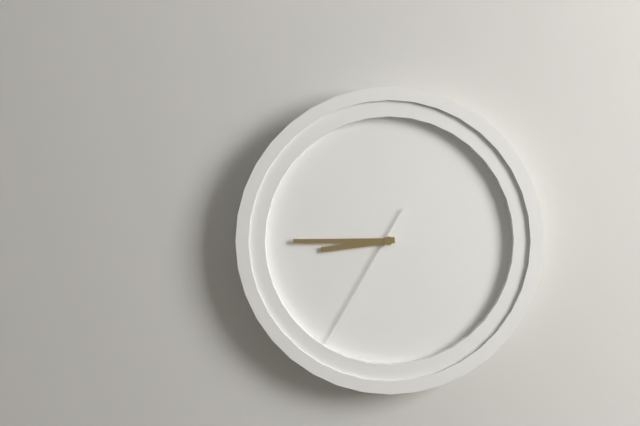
8:45:35
